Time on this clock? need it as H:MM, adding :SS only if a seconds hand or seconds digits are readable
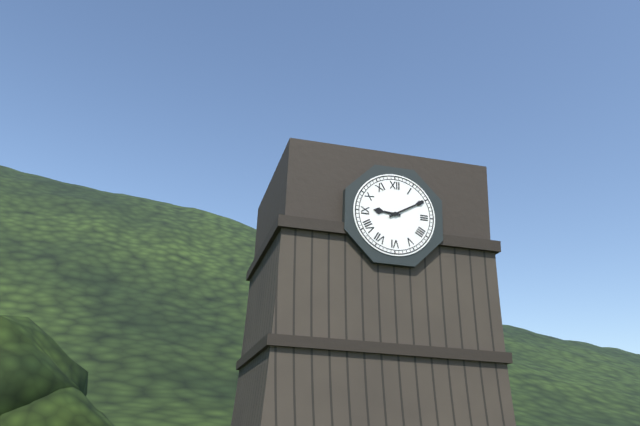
9:10
